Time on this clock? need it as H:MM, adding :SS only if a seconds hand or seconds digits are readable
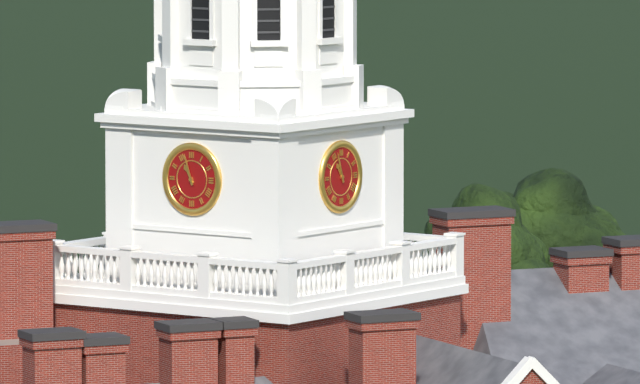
10:57
